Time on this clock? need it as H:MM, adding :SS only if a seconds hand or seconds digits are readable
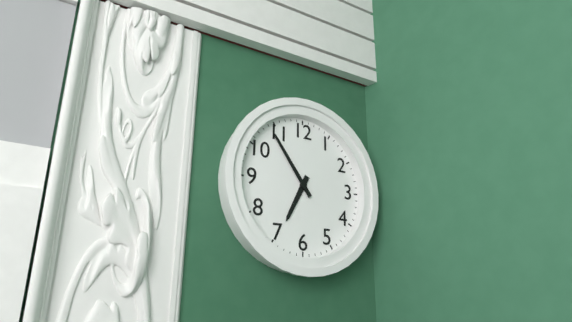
6:54
